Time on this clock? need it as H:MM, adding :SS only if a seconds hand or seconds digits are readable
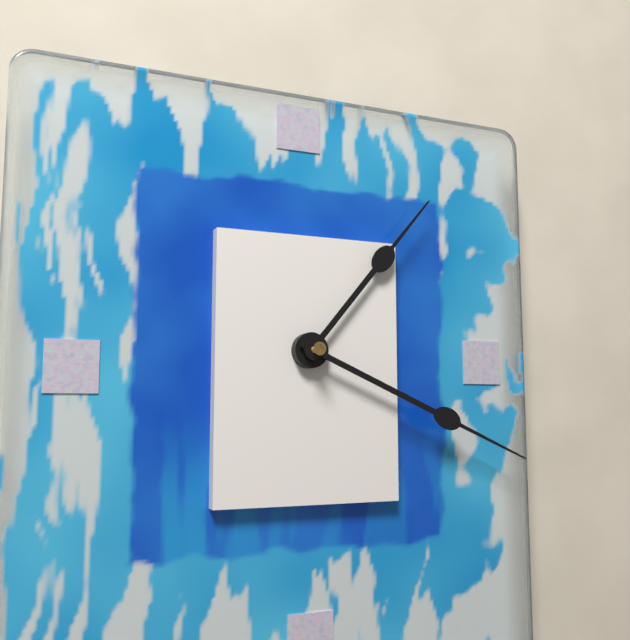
1:19
